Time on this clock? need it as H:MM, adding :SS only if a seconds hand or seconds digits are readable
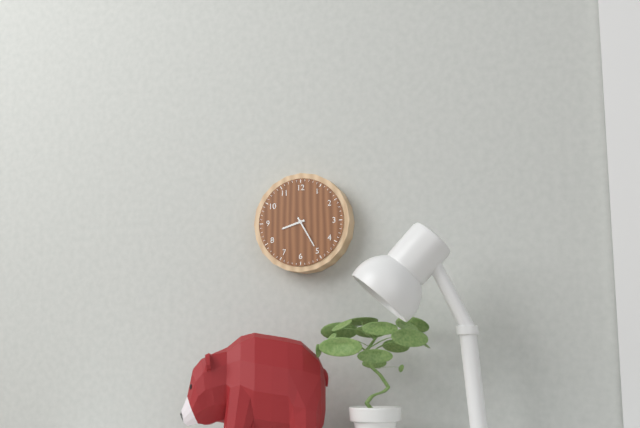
8:25
